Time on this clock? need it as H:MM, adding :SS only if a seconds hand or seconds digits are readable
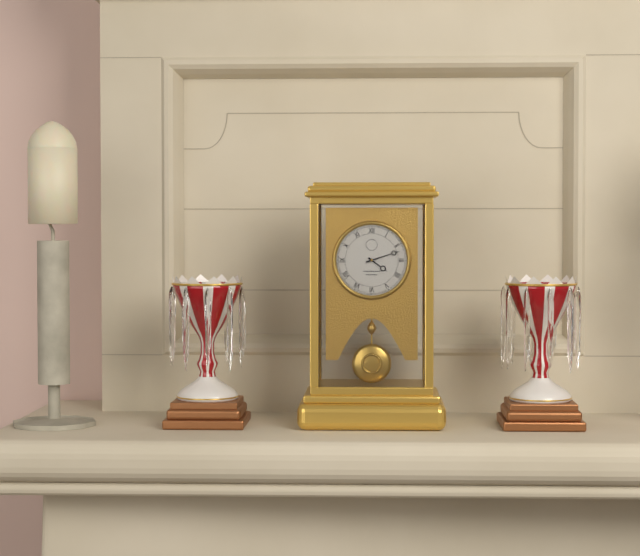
4:12
